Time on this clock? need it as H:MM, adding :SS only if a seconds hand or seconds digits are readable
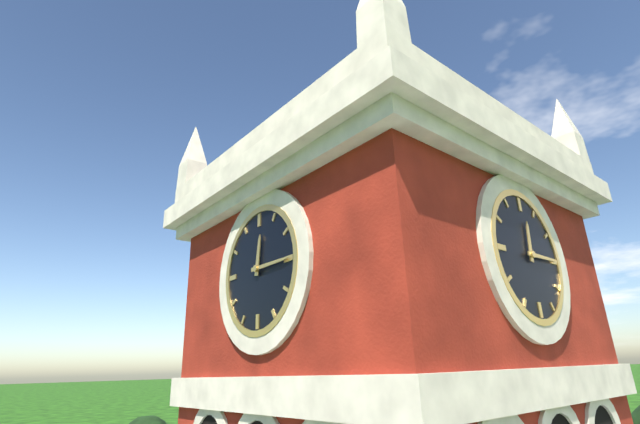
12:15
